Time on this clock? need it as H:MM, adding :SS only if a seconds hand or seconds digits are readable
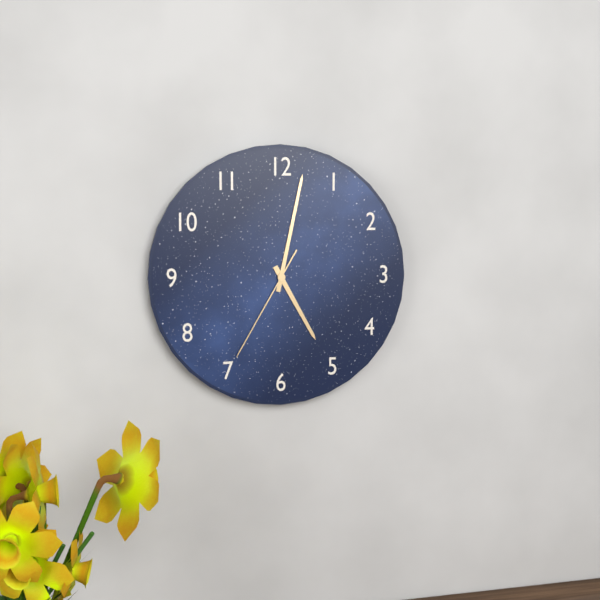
5:02:35
